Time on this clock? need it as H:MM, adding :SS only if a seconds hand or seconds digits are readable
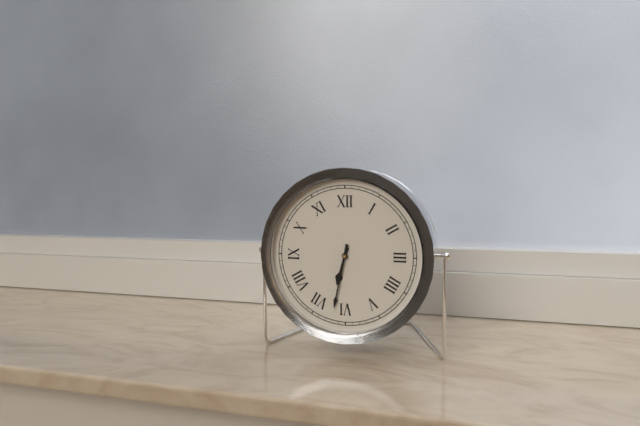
6:32
